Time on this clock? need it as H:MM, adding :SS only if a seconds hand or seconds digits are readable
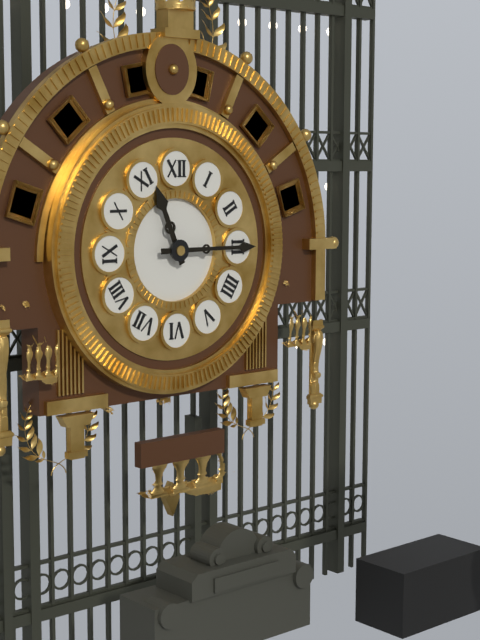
11:15
